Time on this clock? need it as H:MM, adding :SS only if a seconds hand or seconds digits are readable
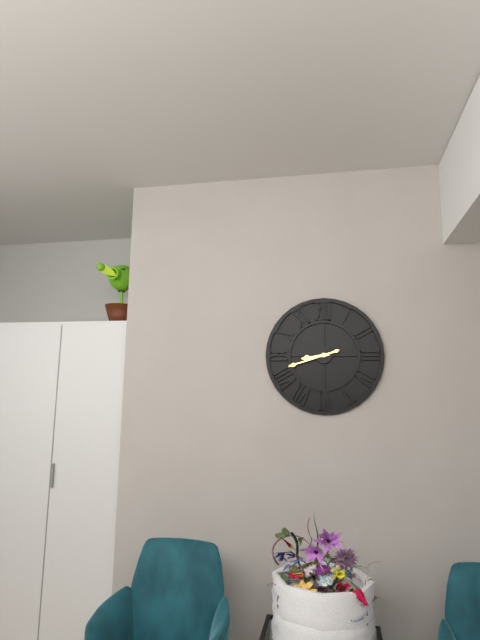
8:42
